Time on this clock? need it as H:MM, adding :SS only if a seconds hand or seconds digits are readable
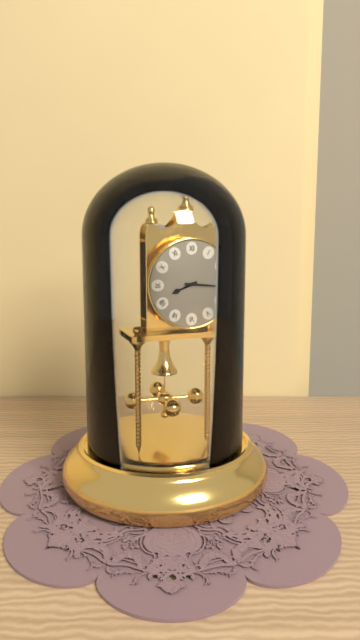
8:16
